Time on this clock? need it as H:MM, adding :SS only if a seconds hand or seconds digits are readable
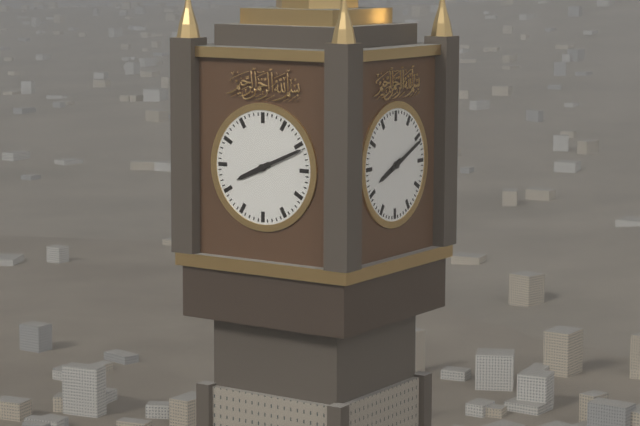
8:11
